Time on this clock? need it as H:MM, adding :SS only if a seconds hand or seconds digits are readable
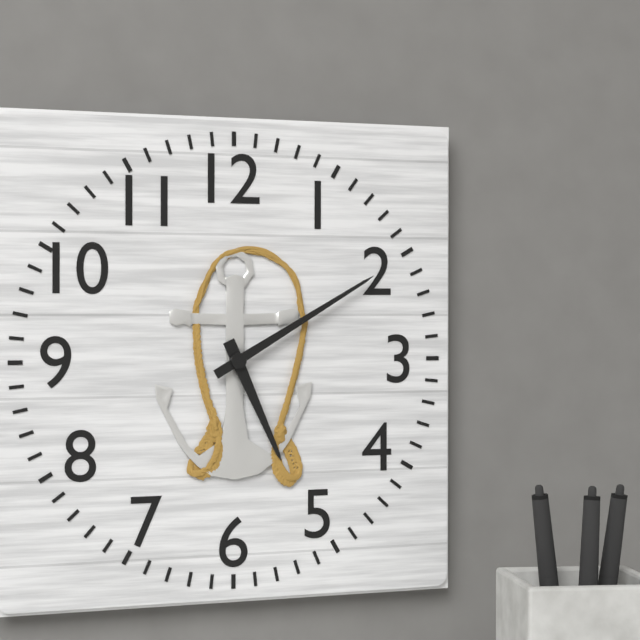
5:10
